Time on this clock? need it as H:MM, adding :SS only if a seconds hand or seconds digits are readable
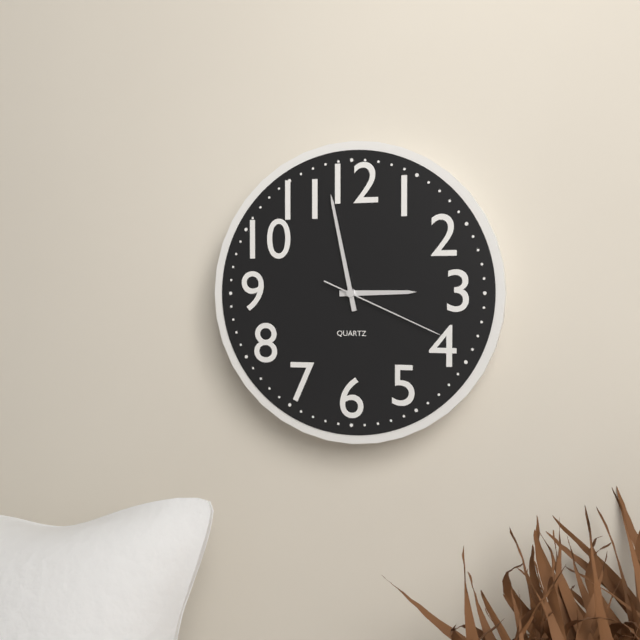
2:58:19
